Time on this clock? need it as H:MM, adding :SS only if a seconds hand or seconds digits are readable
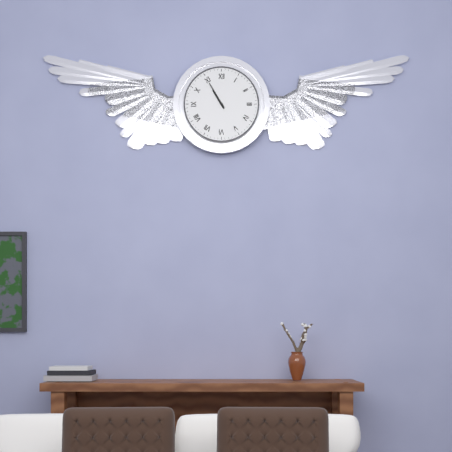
10:55
